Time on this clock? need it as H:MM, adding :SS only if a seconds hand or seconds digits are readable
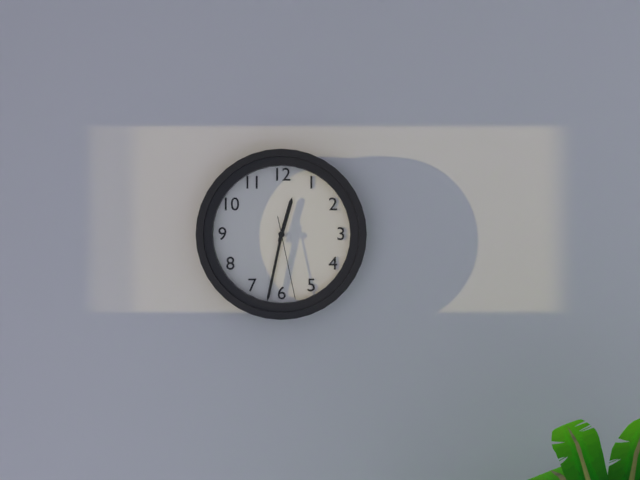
12:32:28
